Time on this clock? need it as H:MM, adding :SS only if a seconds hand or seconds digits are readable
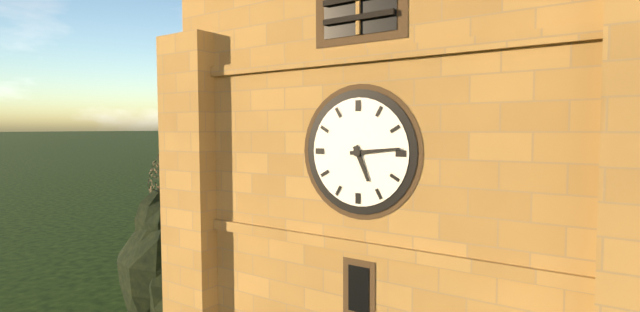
5:14
